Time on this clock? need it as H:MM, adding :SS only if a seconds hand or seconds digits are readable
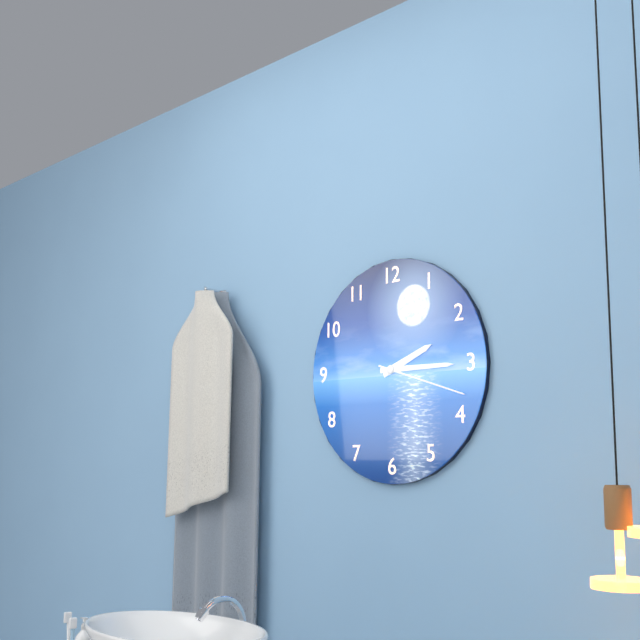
2:15:18
